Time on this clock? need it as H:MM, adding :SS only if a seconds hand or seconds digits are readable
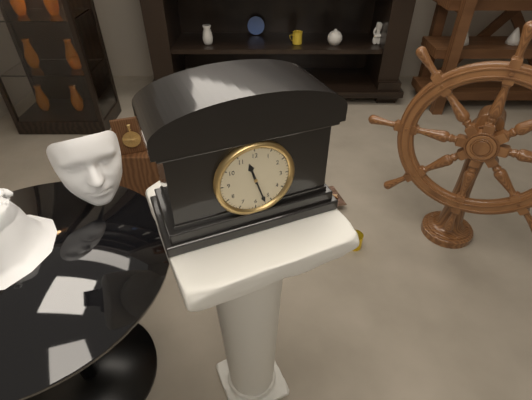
11:27
